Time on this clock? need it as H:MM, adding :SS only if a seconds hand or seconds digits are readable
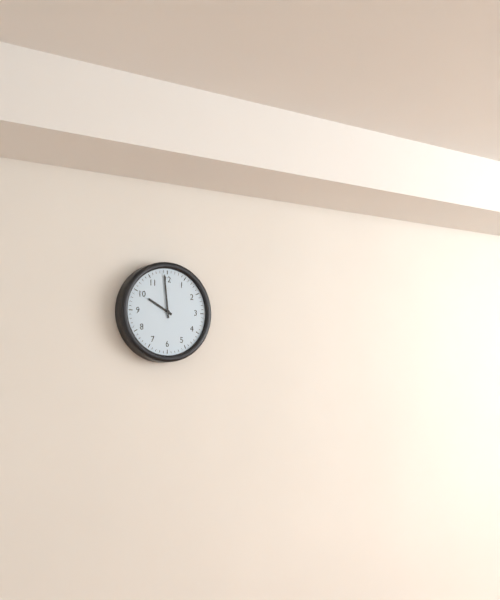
9:59
